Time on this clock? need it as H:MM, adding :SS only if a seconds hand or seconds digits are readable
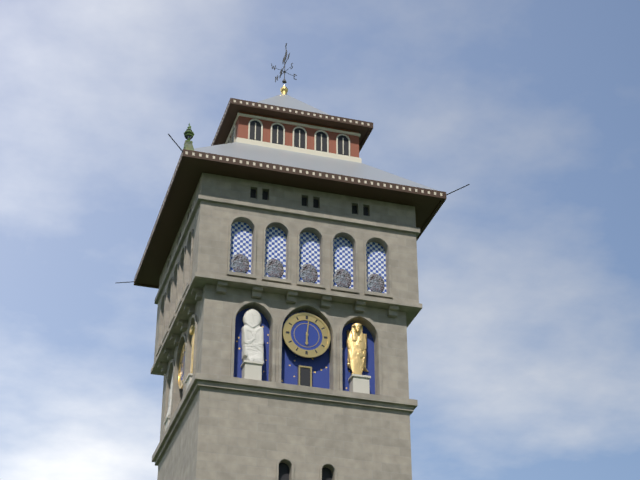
6:01
